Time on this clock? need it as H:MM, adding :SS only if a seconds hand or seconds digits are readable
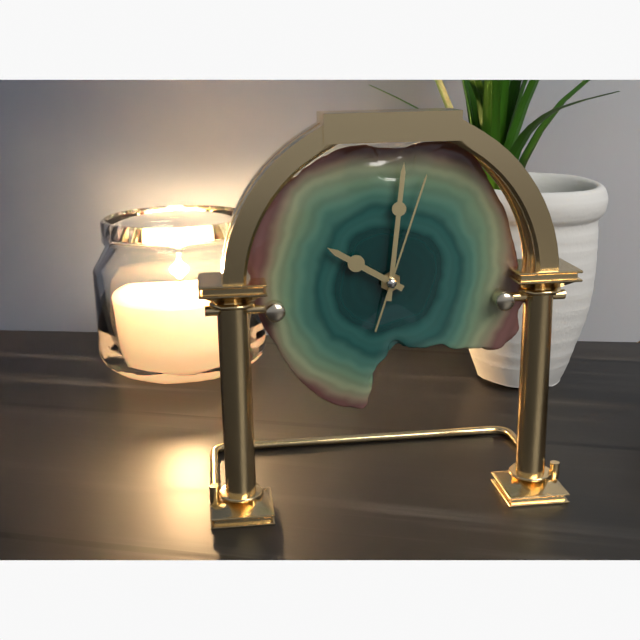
10:01:03
